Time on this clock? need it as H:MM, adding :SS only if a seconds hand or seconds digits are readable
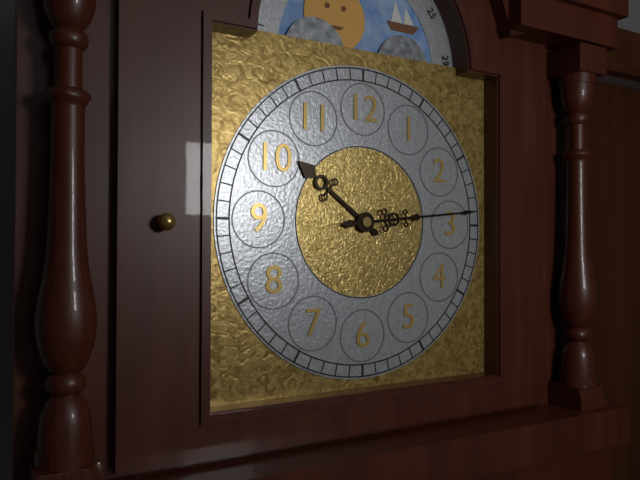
10:14
